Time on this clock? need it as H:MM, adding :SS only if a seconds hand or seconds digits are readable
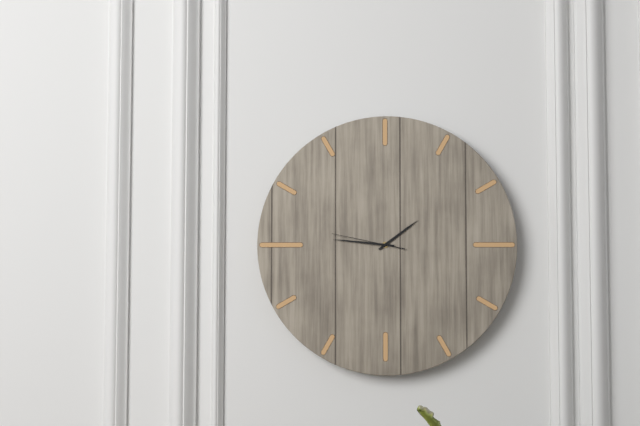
1:46:47
